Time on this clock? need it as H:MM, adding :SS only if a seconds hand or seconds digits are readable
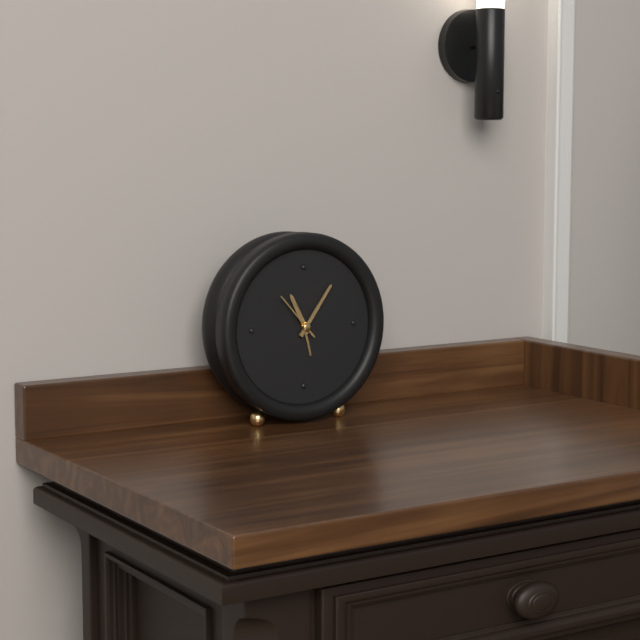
11:06:53
